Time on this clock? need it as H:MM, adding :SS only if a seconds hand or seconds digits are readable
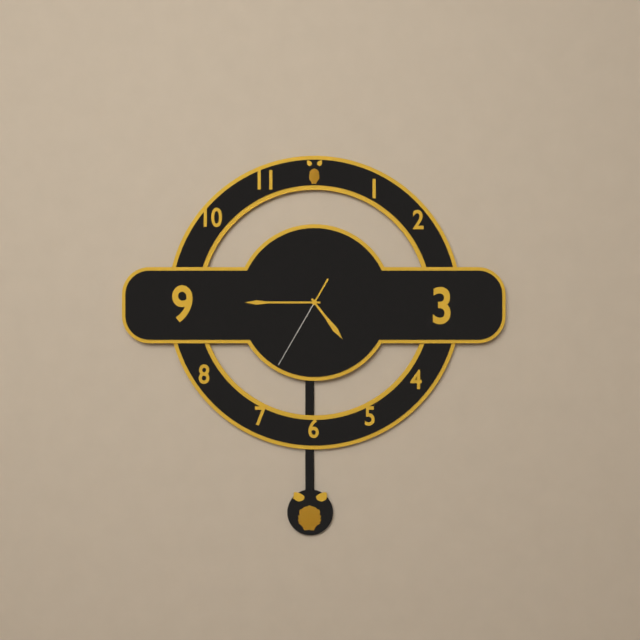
4:45:35
